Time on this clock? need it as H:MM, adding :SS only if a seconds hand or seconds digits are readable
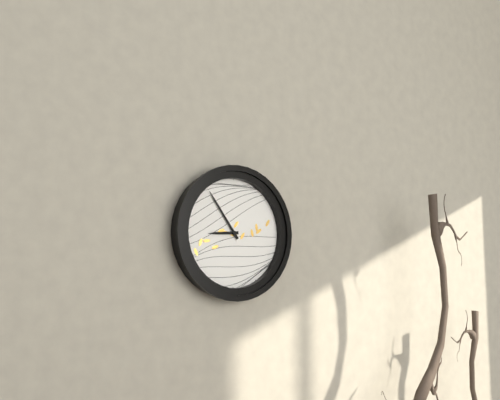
8:54
